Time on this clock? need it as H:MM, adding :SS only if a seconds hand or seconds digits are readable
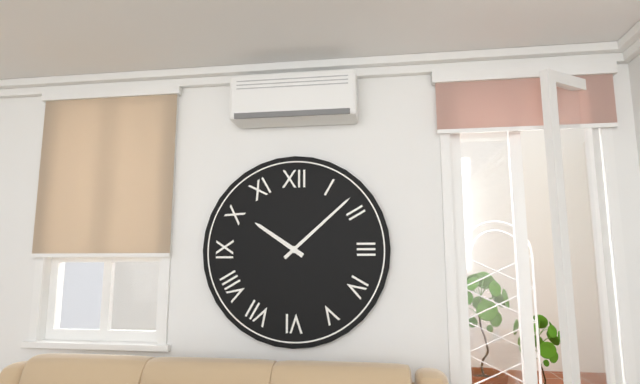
10:08
